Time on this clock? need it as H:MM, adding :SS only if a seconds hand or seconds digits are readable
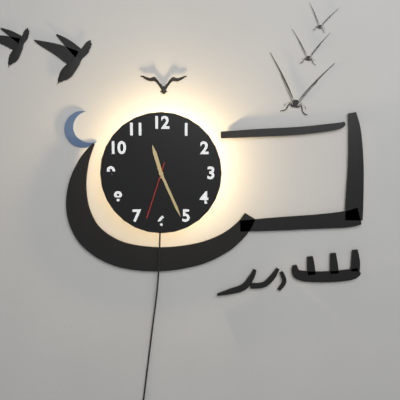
11:26:33
